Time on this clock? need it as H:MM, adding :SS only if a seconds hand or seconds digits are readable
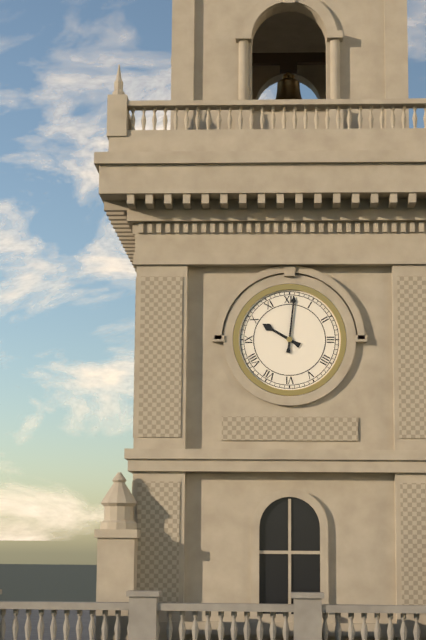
10:01
